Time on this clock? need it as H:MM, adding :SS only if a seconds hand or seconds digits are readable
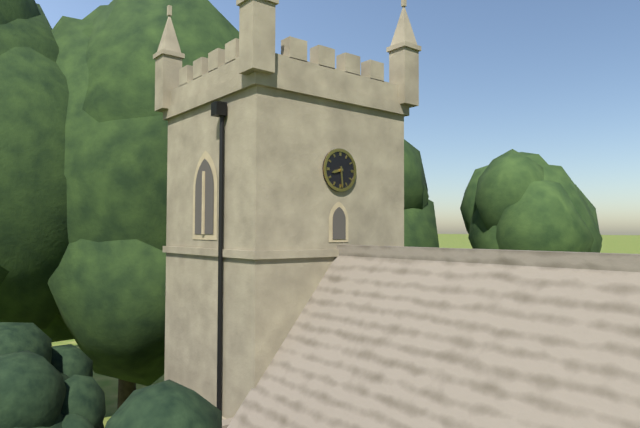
8:29
